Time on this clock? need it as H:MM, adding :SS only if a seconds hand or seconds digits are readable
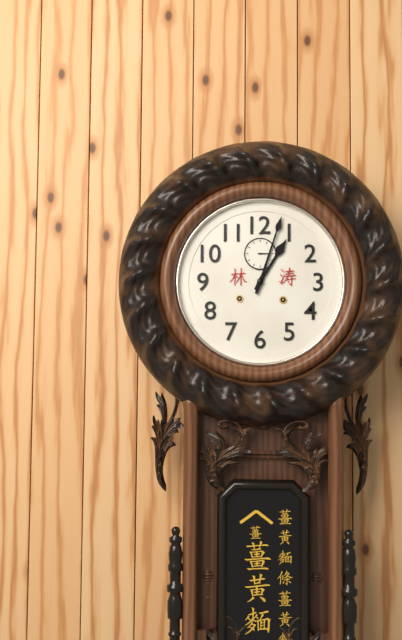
1:03
